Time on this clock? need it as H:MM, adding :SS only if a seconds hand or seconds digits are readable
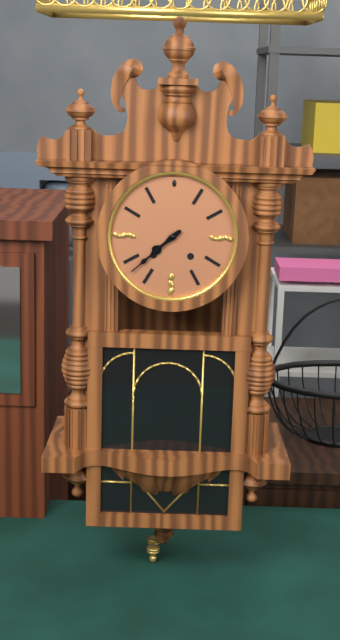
7:38
